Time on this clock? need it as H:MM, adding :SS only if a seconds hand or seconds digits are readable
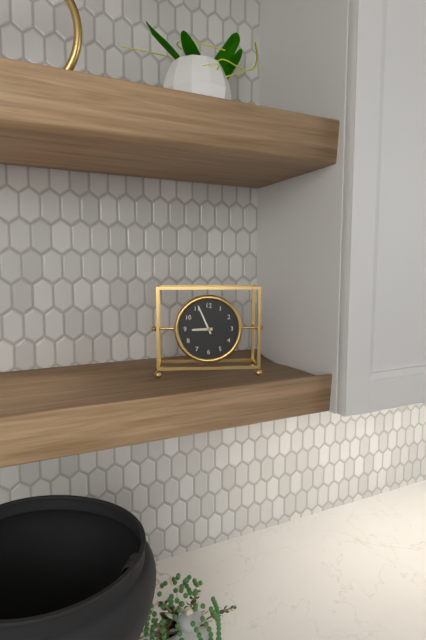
8:56
